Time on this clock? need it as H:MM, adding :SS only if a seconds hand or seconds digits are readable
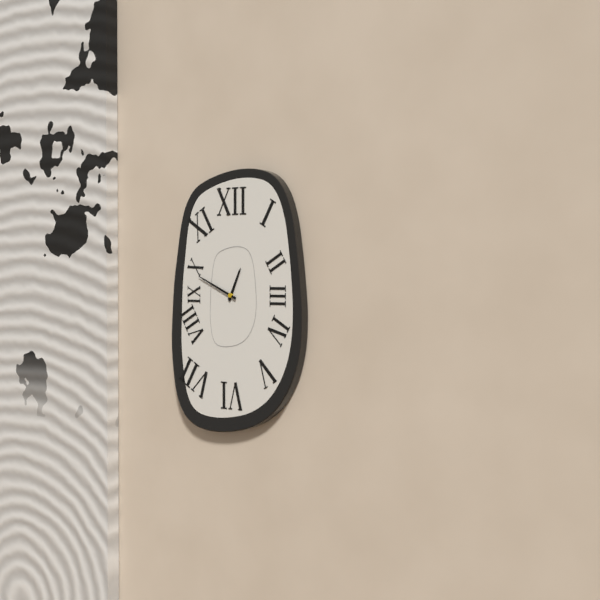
12:49
